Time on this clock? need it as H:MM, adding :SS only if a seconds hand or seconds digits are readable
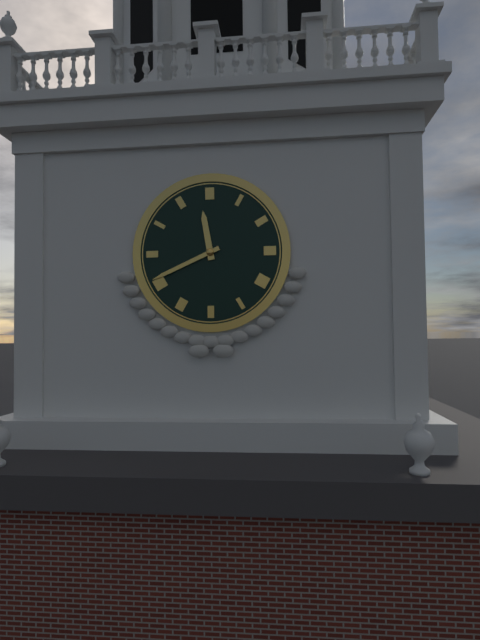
11:41
